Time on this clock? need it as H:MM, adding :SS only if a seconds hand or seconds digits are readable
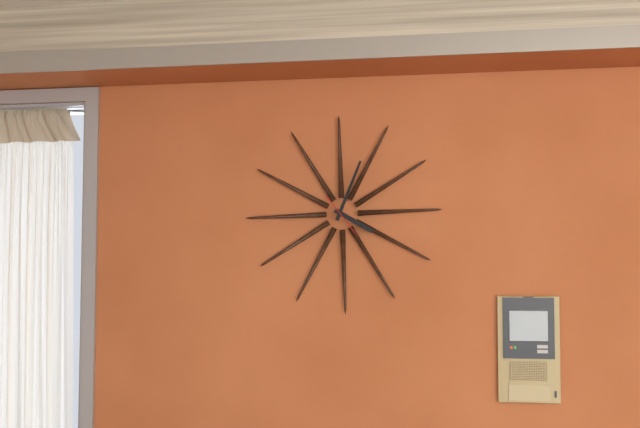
4:04
